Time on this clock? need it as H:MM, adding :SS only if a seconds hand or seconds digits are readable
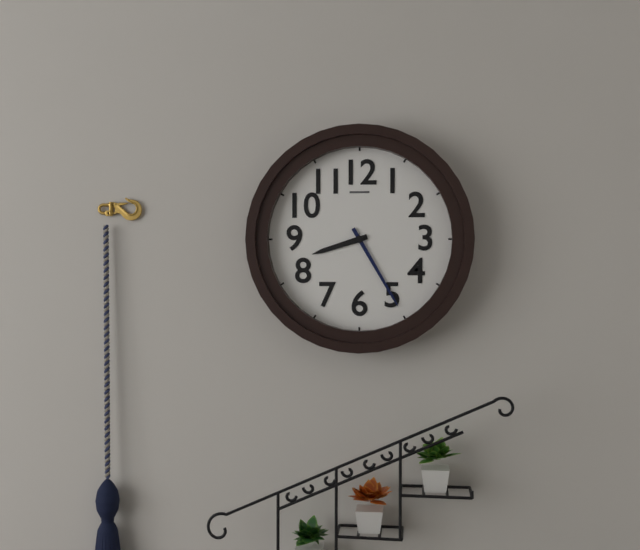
8:25
